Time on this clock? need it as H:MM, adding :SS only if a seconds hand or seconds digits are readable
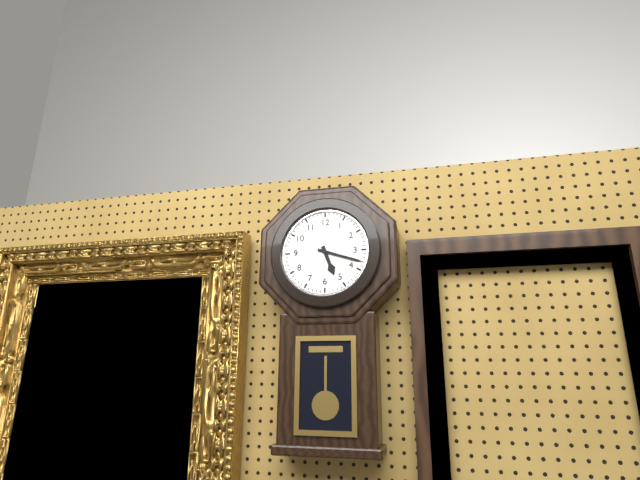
5:18
